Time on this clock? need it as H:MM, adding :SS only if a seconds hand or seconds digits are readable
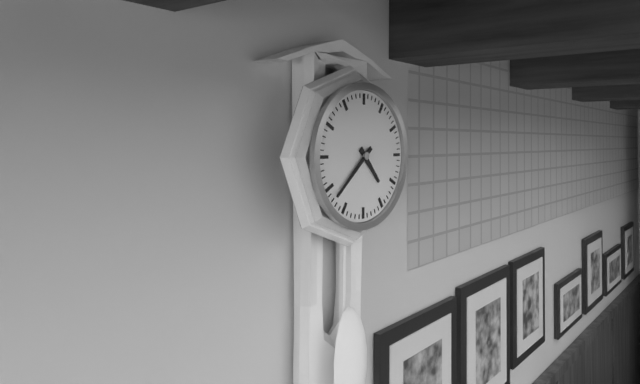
4:38
